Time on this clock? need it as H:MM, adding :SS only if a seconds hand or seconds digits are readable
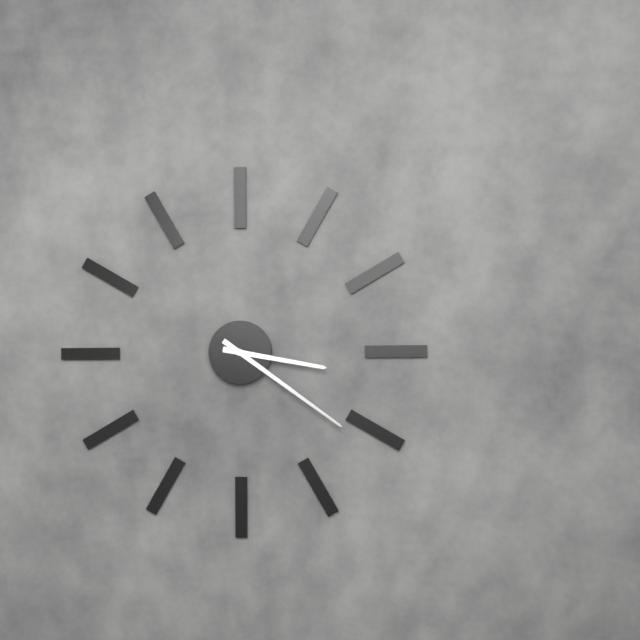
3:21
